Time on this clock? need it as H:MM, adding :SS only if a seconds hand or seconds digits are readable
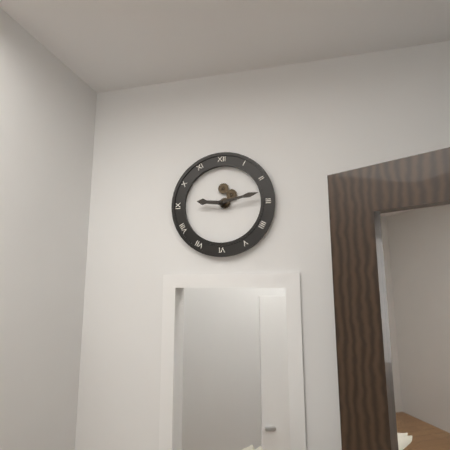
9:13
